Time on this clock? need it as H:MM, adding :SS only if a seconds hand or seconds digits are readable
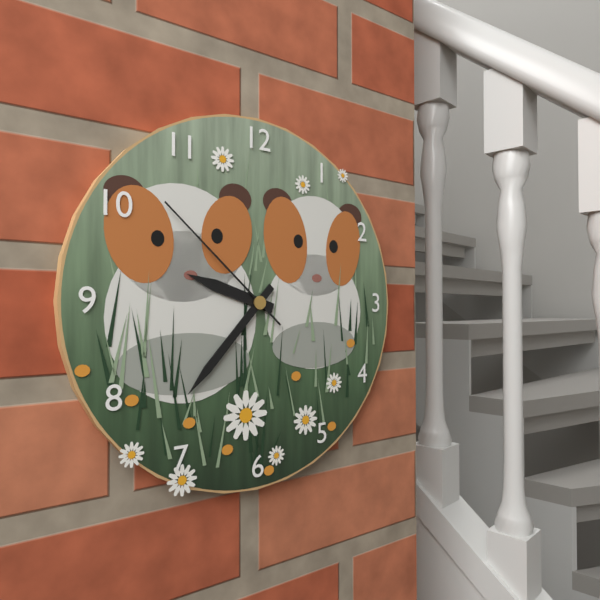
9:37:52
